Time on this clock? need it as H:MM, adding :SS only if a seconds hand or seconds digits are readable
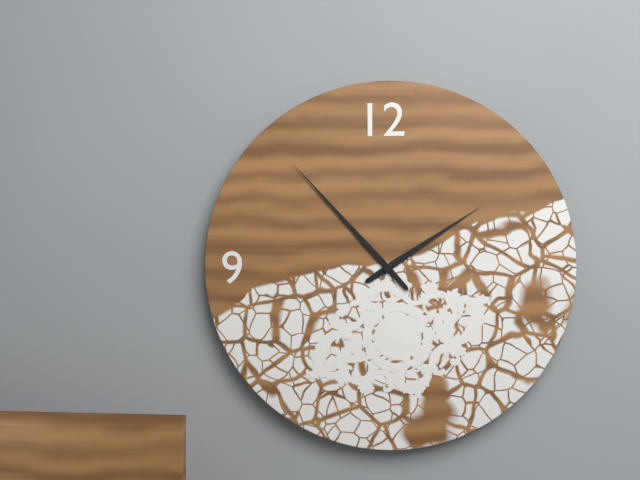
1:53
